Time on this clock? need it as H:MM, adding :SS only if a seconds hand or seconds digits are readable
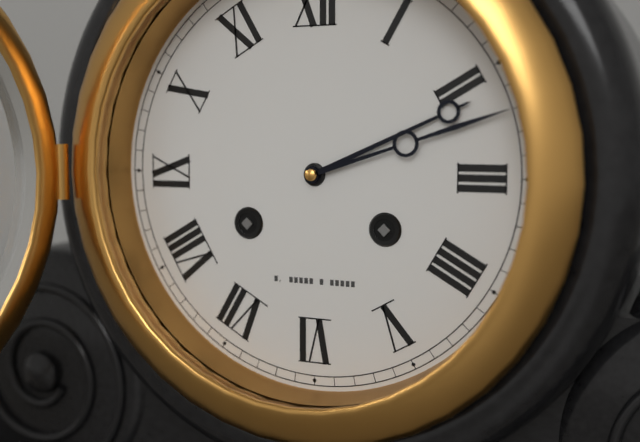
2:12
